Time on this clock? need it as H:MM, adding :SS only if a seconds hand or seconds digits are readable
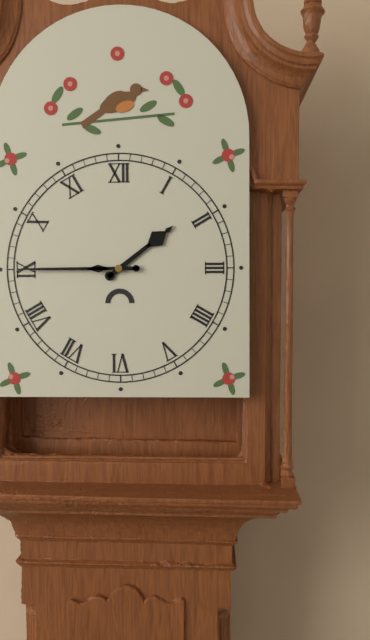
1:45
